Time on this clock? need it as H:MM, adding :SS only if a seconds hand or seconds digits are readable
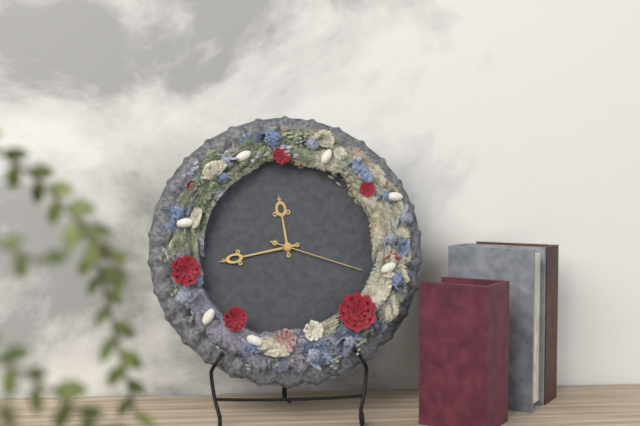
11:43:18
